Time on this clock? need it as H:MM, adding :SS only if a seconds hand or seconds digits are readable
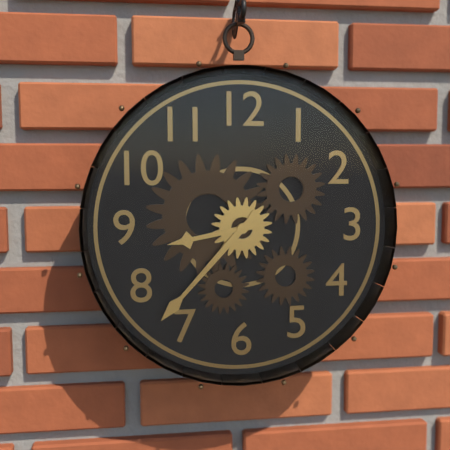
8:37
